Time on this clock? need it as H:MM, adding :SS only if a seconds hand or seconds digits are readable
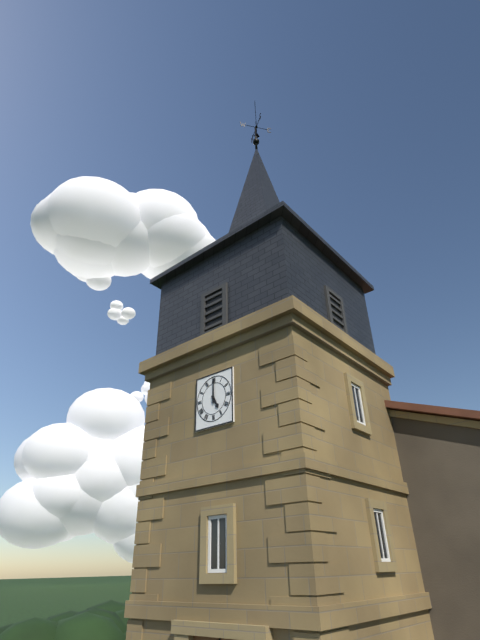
5:00
